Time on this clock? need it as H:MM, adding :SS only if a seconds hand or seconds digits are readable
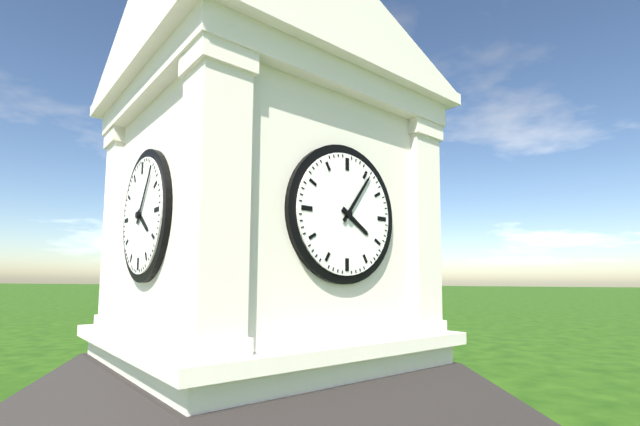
4:06
